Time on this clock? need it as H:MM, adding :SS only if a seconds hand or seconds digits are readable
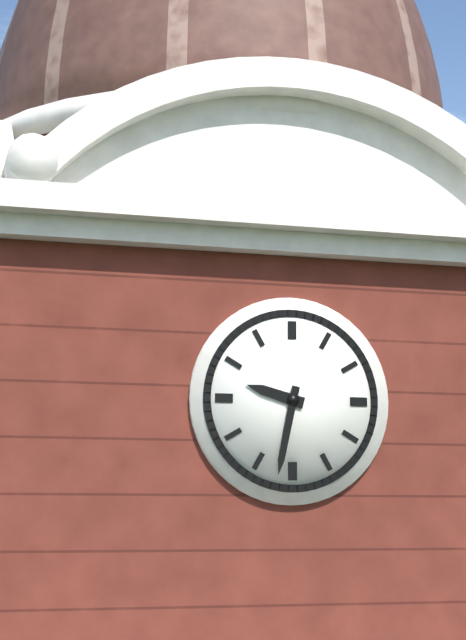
9:32
